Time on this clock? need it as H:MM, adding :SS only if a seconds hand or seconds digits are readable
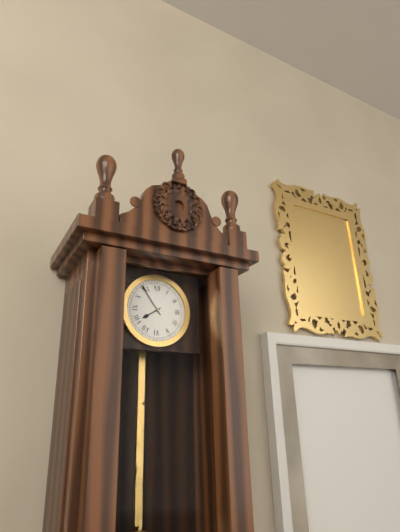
7:54
